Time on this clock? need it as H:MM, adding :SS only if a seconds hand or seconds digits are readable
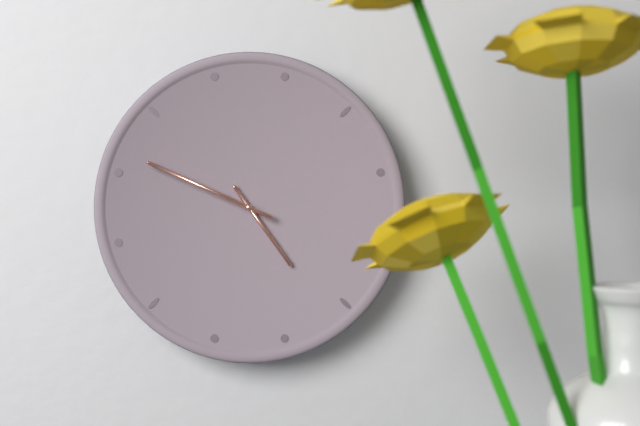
4:49
